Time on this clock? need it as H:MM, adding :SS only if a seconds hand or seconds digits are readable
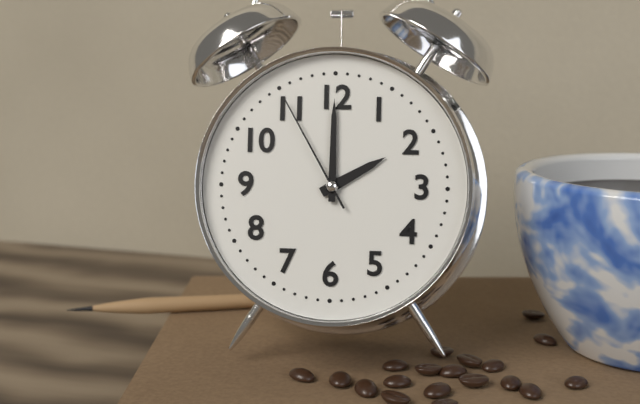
2:00:55
